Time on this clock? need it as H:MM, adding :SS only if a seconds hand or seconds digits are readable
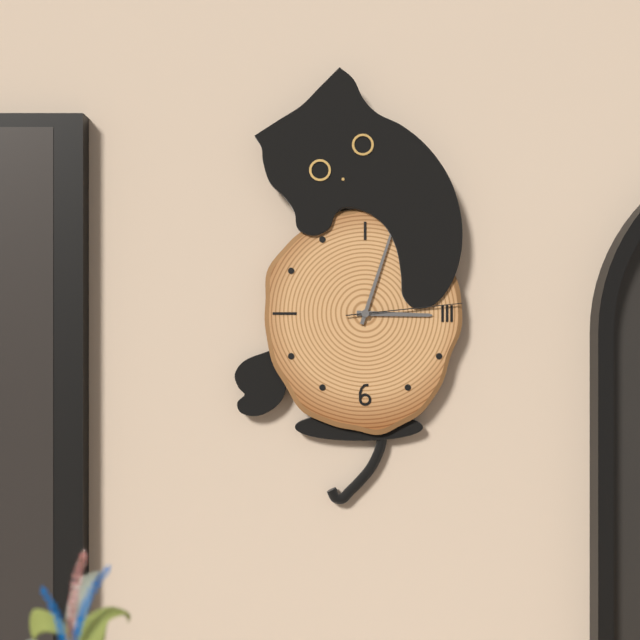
3:03:14
